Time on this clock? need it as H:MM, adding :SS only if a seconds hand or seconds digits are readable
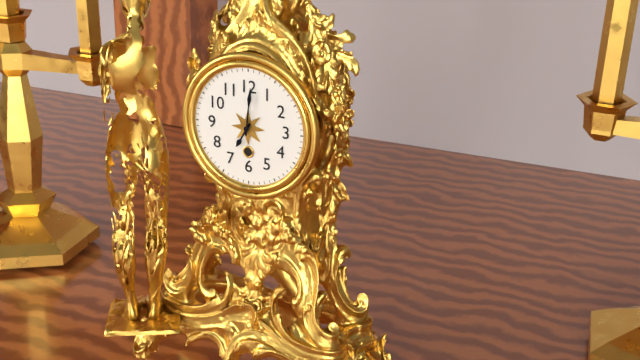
7:01
